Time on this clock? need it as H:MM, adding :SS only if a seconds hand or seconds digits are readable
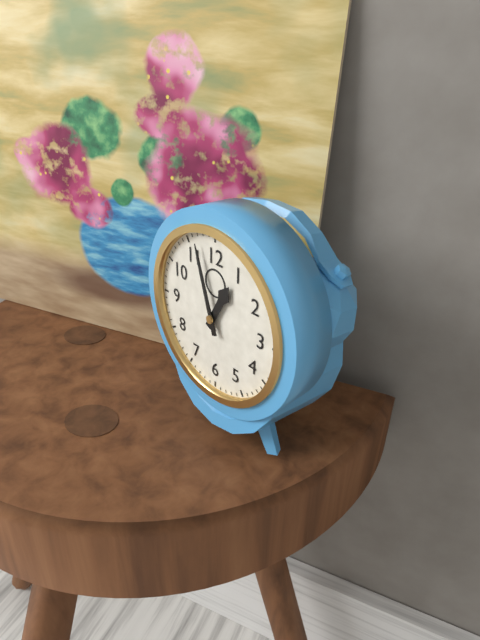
12:57
